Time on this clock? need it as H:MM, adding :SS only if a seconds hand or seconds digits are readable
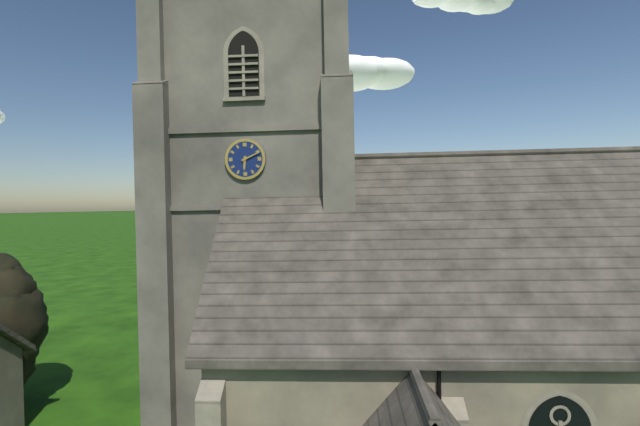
6:11
